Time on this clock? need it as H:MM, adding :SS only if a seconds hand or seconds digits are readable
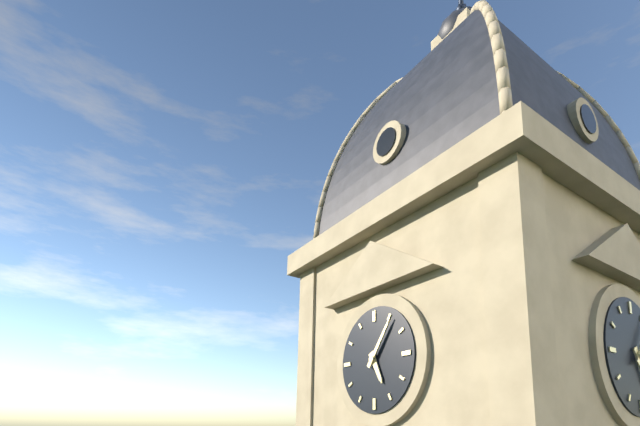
5:06
